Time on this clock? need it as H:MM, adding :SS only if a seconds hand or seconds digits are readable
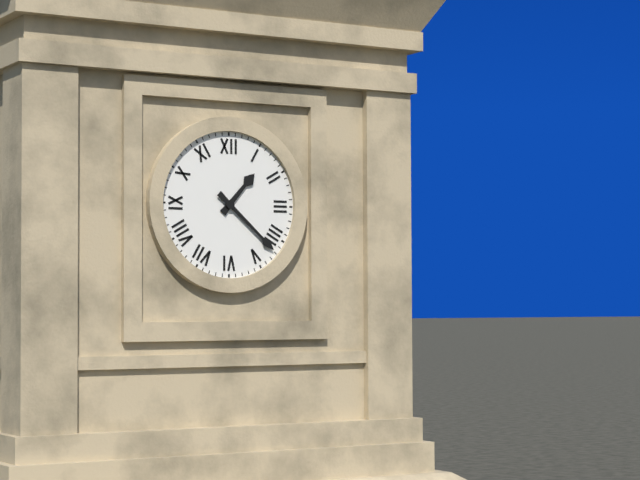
1:22
